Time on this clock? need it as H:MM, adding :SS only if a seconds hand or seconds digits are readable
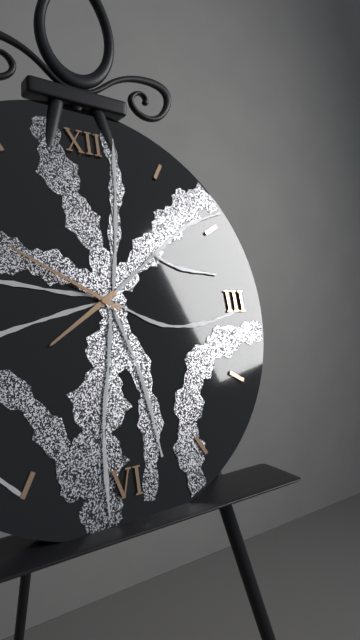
7:50
